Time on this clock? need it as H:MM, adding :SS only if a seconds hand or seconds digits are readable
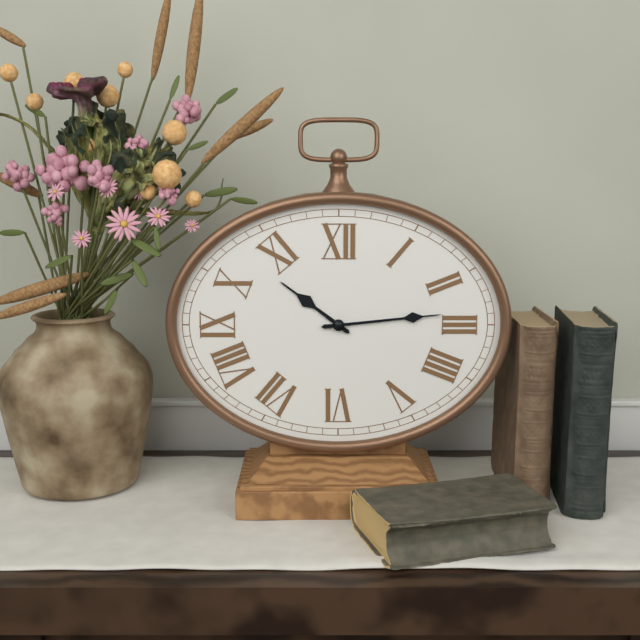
10:14
